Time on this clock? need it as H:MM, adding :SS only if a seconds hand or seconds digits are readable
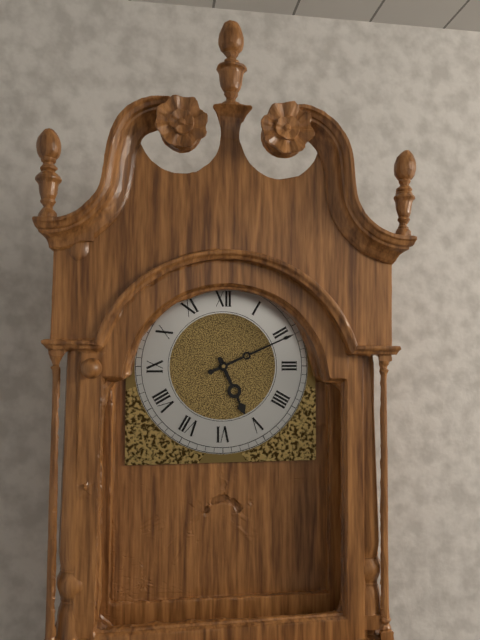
5:11
